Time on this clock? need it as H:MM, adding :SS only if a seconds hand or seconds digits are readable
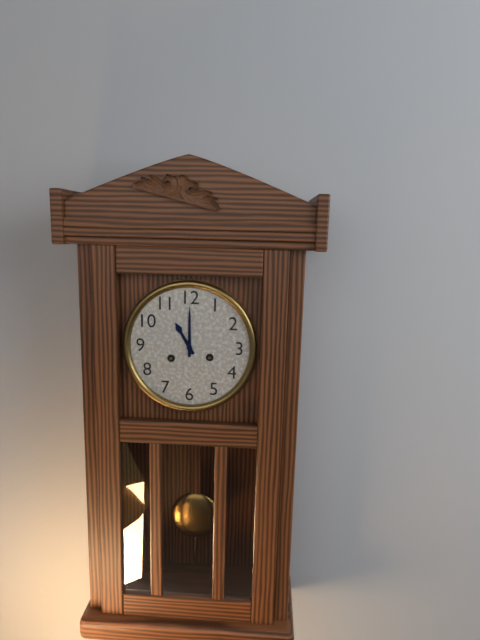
11:00
